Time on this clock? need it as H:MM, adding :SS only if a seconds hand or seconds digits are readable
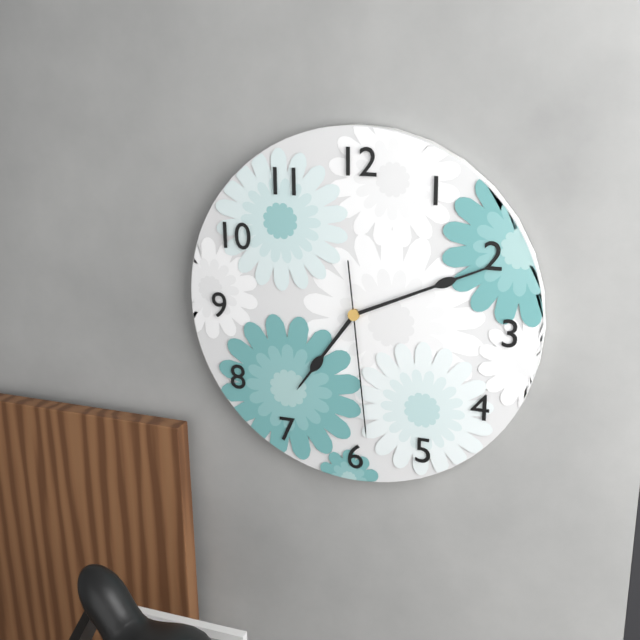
7:11:29
